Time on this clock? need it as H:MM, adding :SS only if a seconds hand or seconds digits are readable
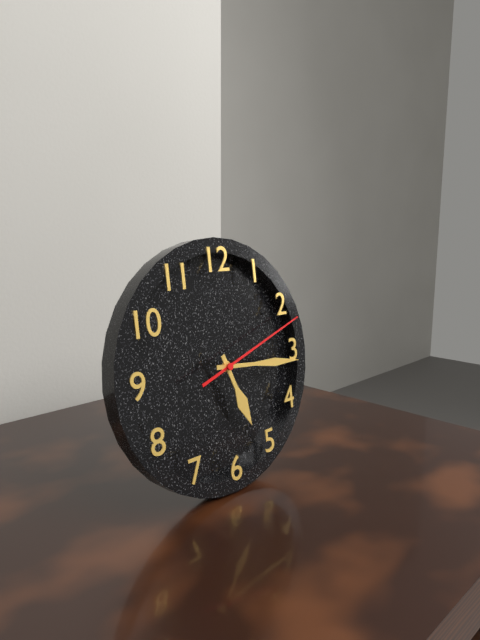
5:16:12
